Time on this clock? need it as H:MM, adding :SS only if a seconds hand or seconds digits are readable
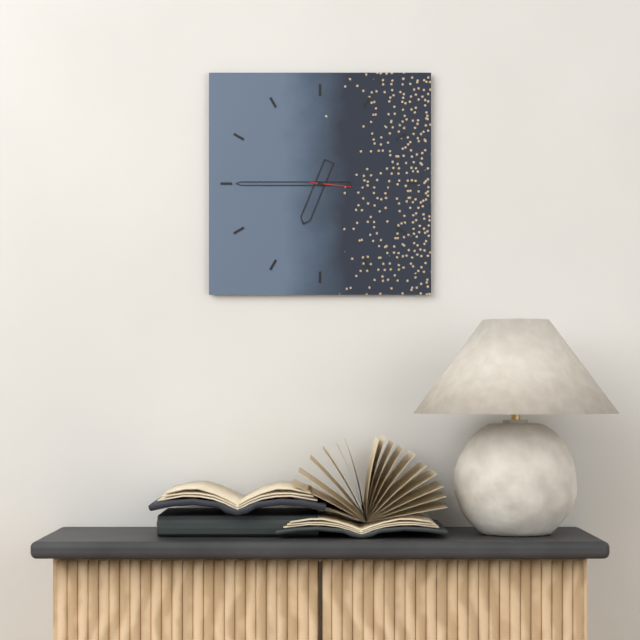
6:45
